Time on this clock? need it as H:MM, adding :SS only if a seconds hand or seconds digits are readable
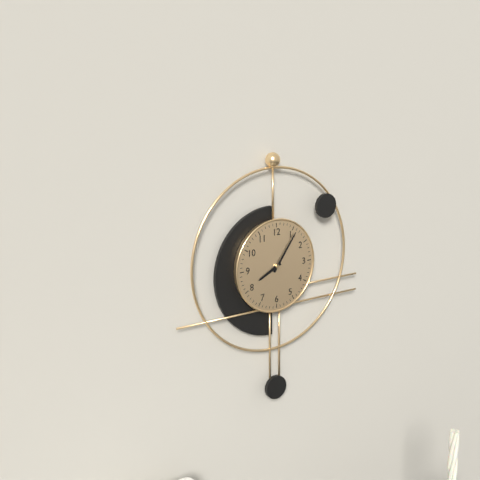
8:06
